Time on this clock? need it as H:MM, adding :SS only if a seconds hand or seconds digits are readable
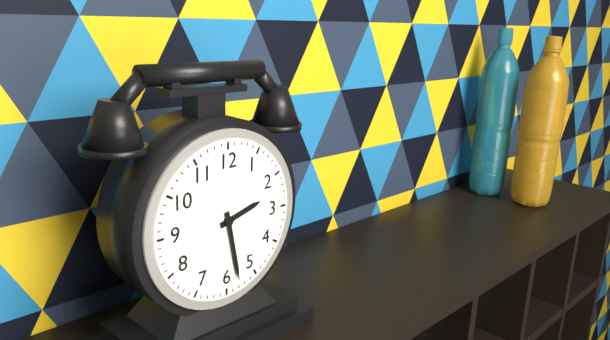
2:28
